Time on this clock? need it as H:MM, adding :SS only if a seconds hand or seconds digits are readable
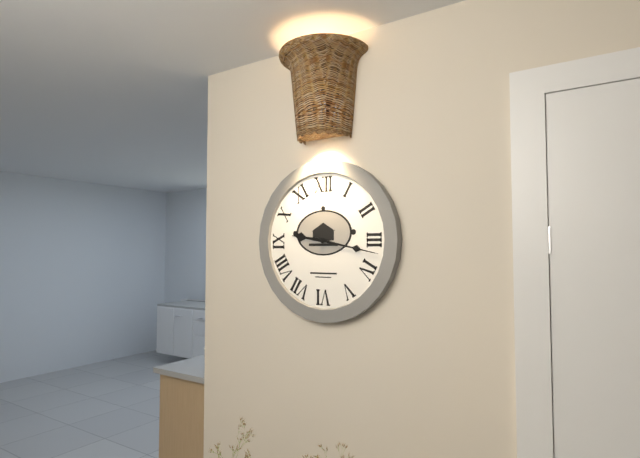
9:17
